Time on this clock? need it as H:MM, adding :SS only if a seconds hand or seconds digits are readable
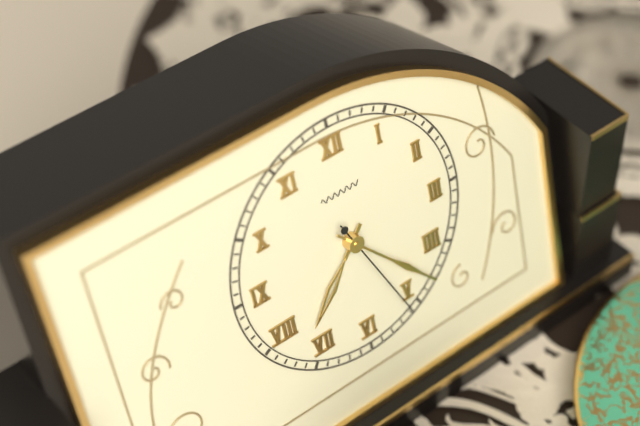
7:23:26
